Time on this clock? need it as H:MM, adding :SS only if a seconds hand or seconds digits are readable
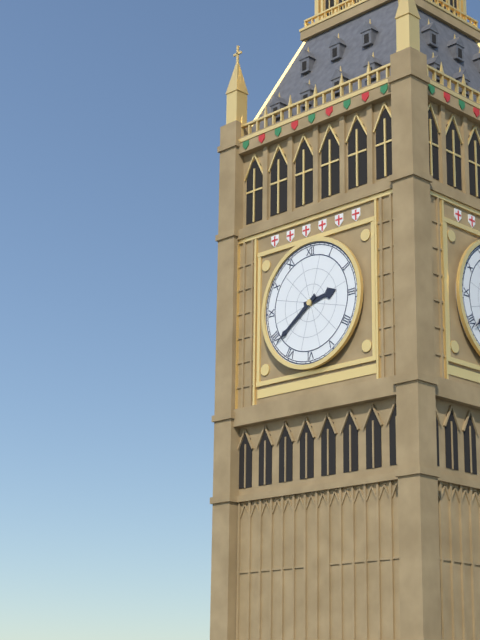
2:39
